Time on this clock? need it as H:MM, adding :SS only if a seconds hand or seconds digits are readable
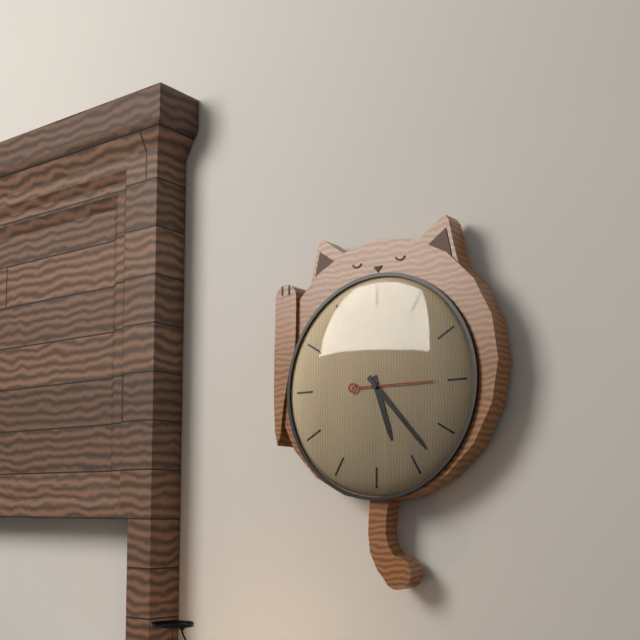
5:23:15
